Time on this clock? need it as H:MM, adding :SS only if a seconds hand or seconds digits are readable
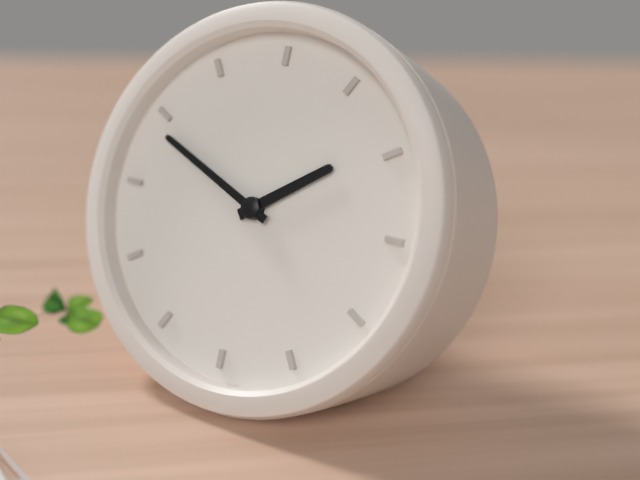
1:49
